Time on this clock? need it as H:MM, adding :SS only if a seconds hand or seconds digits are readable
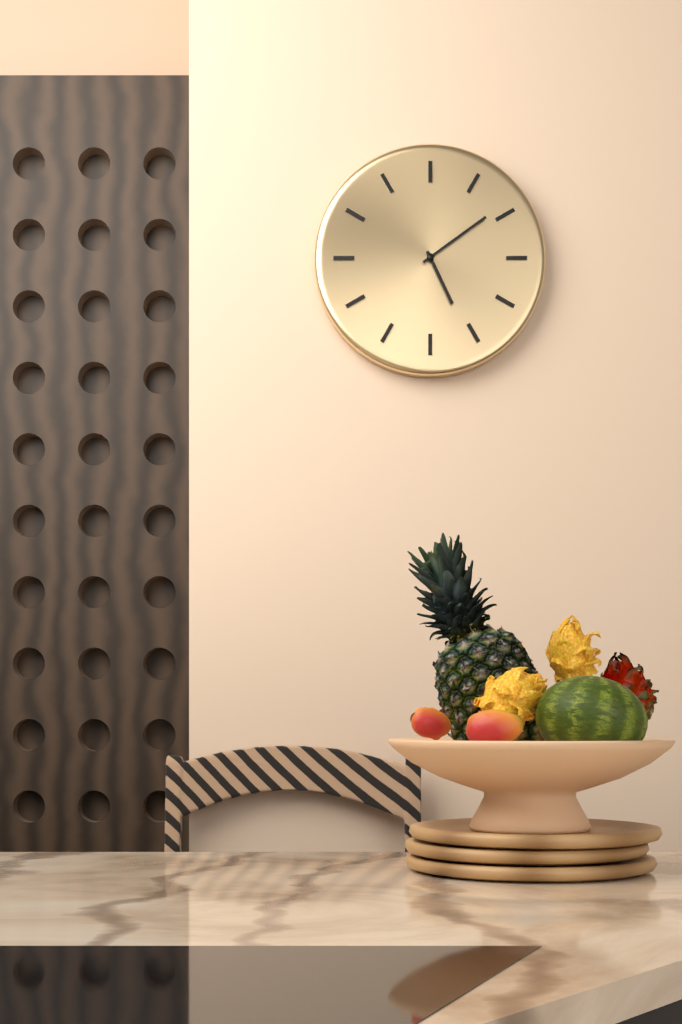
5:09
